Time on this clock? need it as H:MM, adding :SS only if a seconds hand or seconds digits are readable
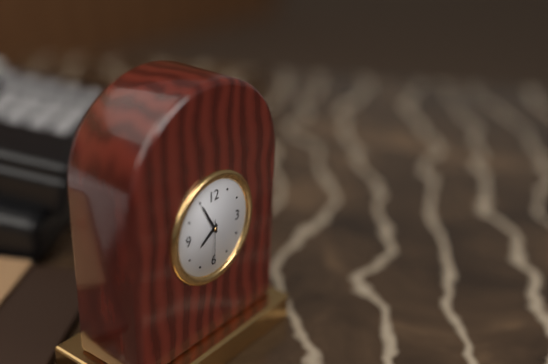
7:55
